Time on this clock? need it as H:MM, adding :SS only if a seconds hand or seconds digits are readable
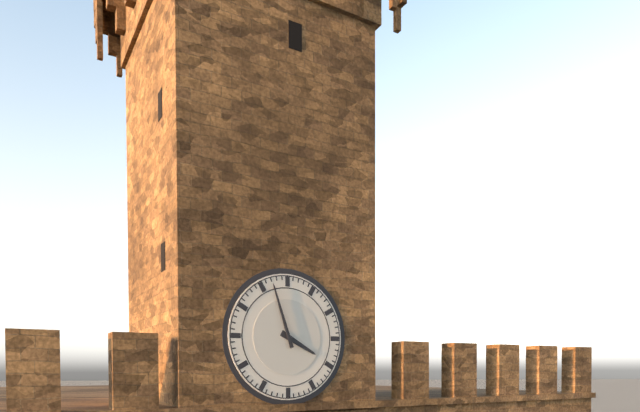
3:57
